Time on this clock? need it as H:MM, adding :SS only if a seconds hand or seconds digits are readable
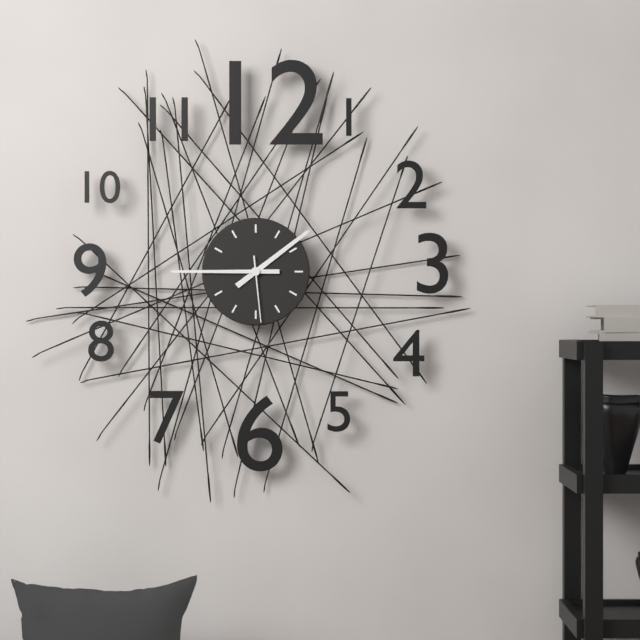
1:45:29
